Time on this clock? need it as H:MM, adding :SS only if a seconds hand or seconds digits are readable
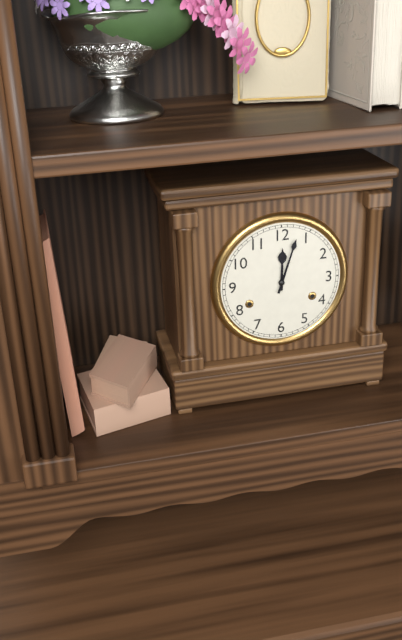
12:03
